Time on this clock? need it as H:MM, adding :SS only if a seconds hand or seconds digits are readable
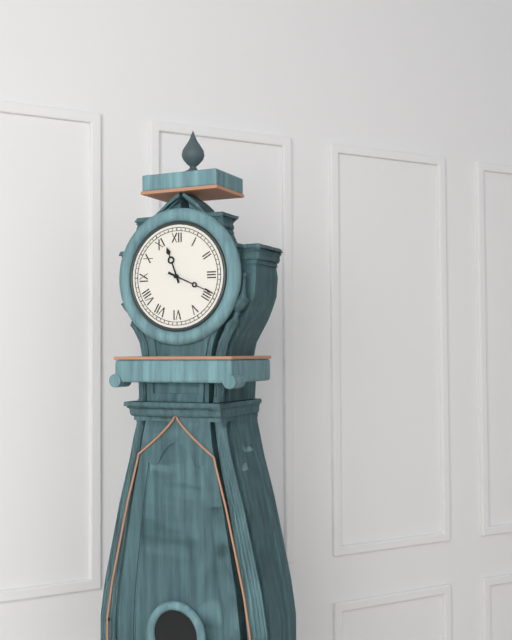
11:19
